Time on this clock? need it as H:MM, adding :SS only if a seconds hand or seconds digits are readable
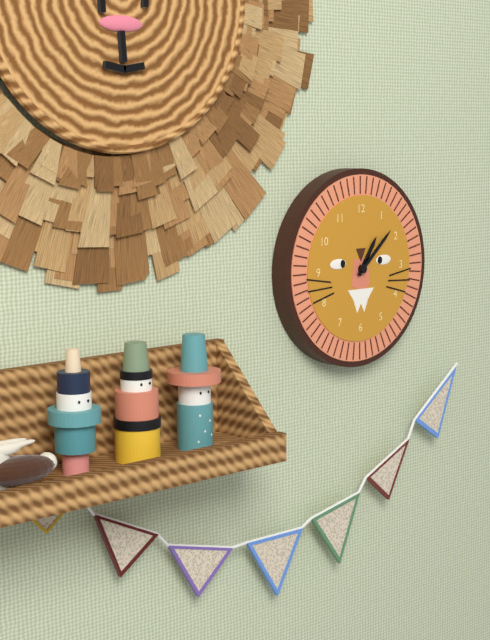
1:08
